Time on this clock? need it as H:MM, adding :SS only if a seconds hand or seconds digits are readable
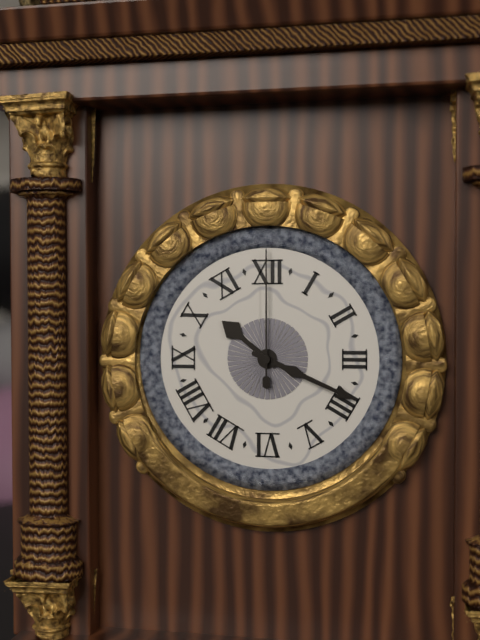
10:19:00
